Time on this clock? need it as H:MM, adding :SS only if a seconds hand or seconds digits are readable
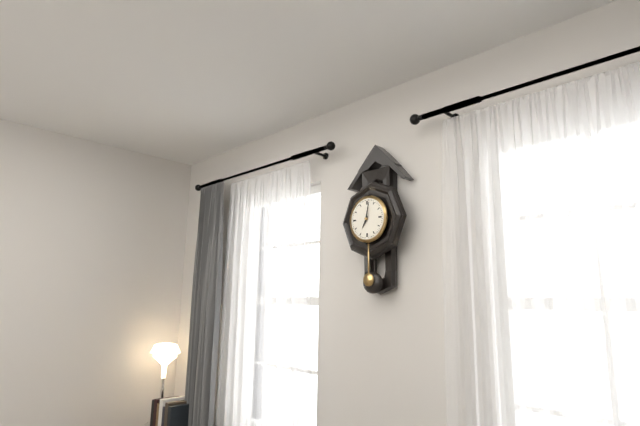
7:02
